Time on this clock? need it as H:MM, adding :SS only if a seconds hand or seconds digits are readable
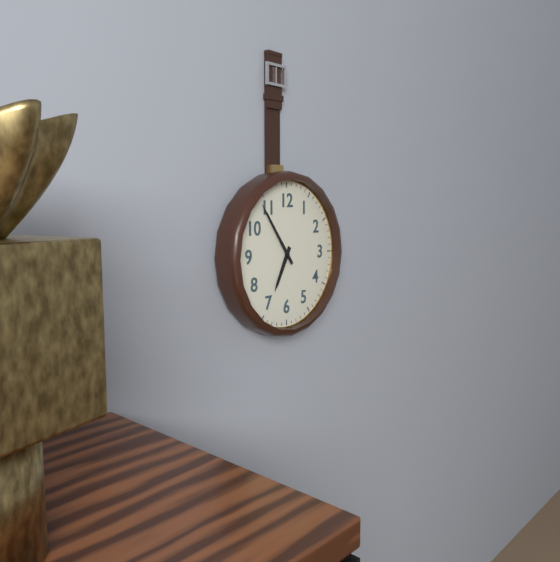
6:54
